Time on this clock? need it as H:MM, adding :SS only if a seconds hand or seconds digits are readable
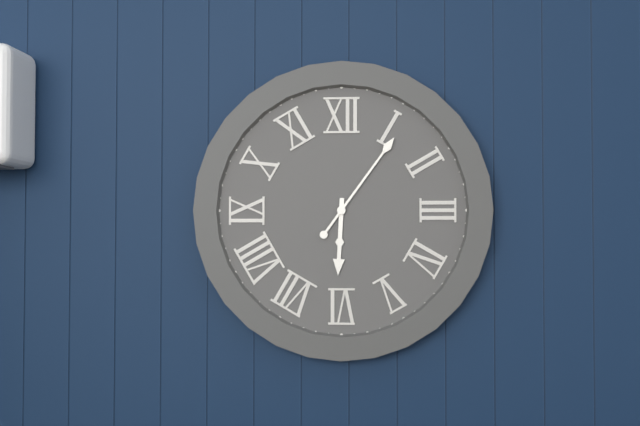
6:06
